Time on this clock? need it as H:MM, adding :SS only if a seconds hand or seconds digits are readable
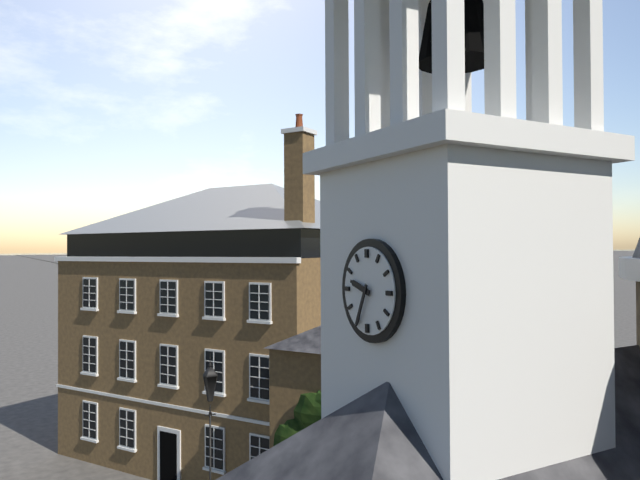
9:34
